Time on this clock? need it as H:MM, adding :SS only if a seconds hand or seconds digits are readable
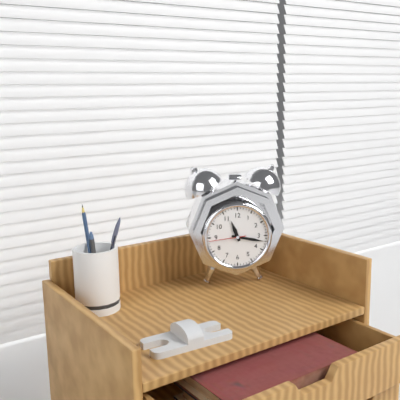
11:17
